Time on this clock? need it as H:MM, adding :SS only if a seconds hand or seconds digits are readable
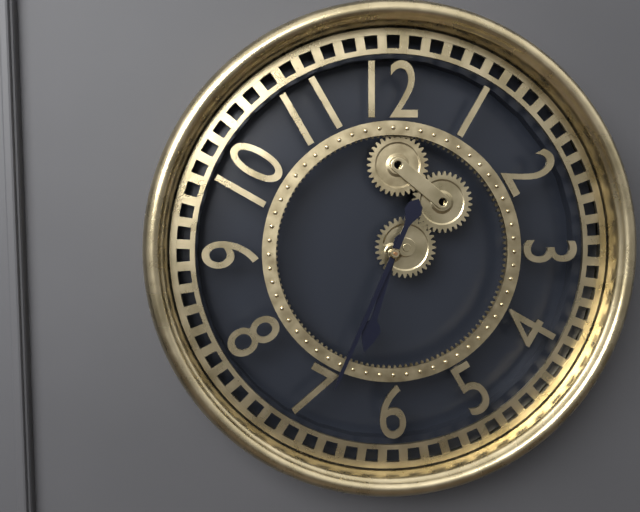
6:34
